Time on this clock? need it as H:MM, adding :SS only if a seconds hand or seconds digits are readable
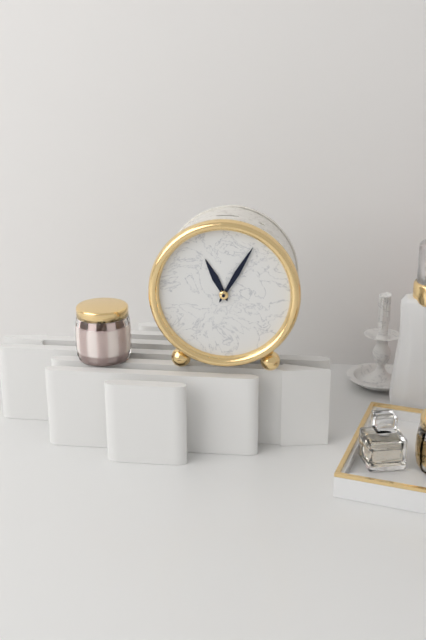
11:05
